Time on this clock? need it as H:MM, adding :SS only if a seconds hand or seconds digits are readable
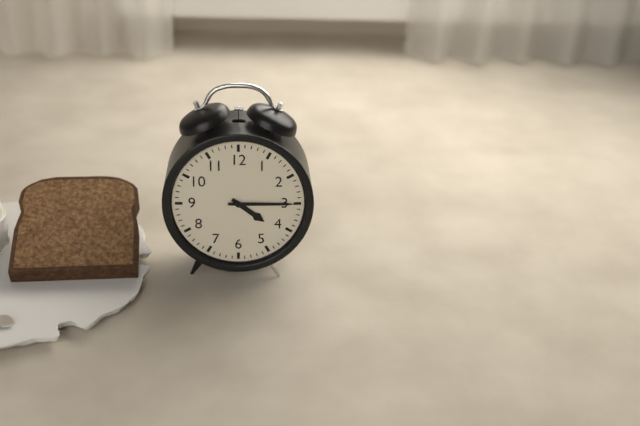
4:15
